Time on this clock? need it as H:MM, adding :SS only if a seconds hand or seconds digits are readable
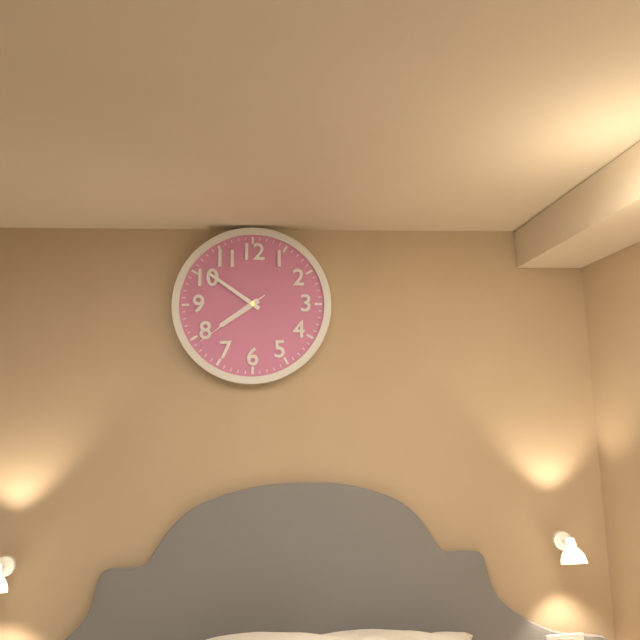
7:51:39
